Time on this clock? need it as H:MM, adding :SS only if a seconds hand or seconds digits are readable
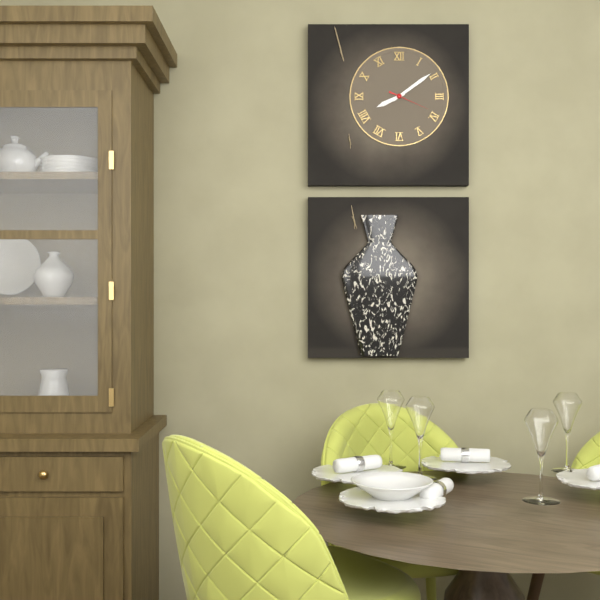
8:09
